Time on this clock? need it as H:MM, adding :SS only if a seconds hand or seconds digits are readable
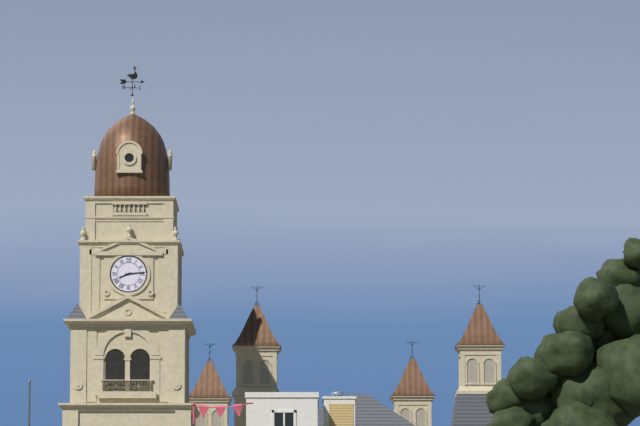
8:14
